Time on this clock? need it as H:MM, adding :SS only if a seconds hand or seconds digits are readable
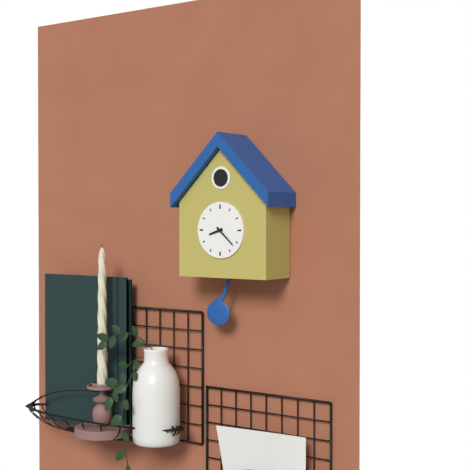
8:22
